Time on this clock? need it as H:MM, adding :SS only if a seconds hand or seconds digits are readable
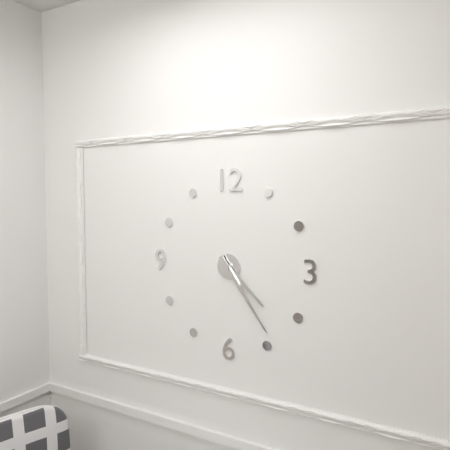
4:24
